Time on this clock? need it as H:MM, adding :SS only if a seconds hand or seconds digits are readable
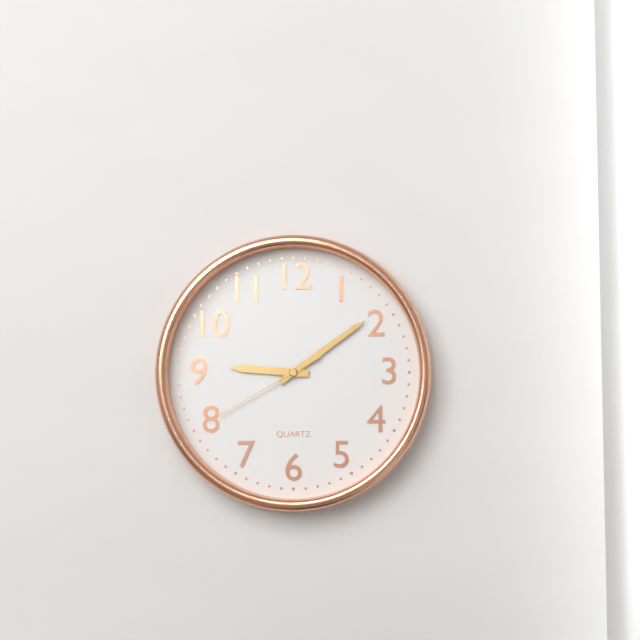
9:09:40
